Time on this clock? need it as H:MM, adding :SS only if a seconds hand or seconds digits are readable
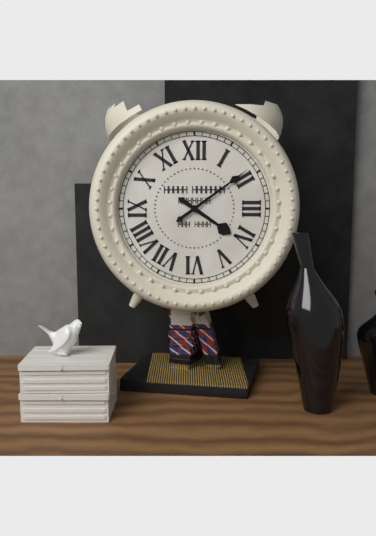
4:09
